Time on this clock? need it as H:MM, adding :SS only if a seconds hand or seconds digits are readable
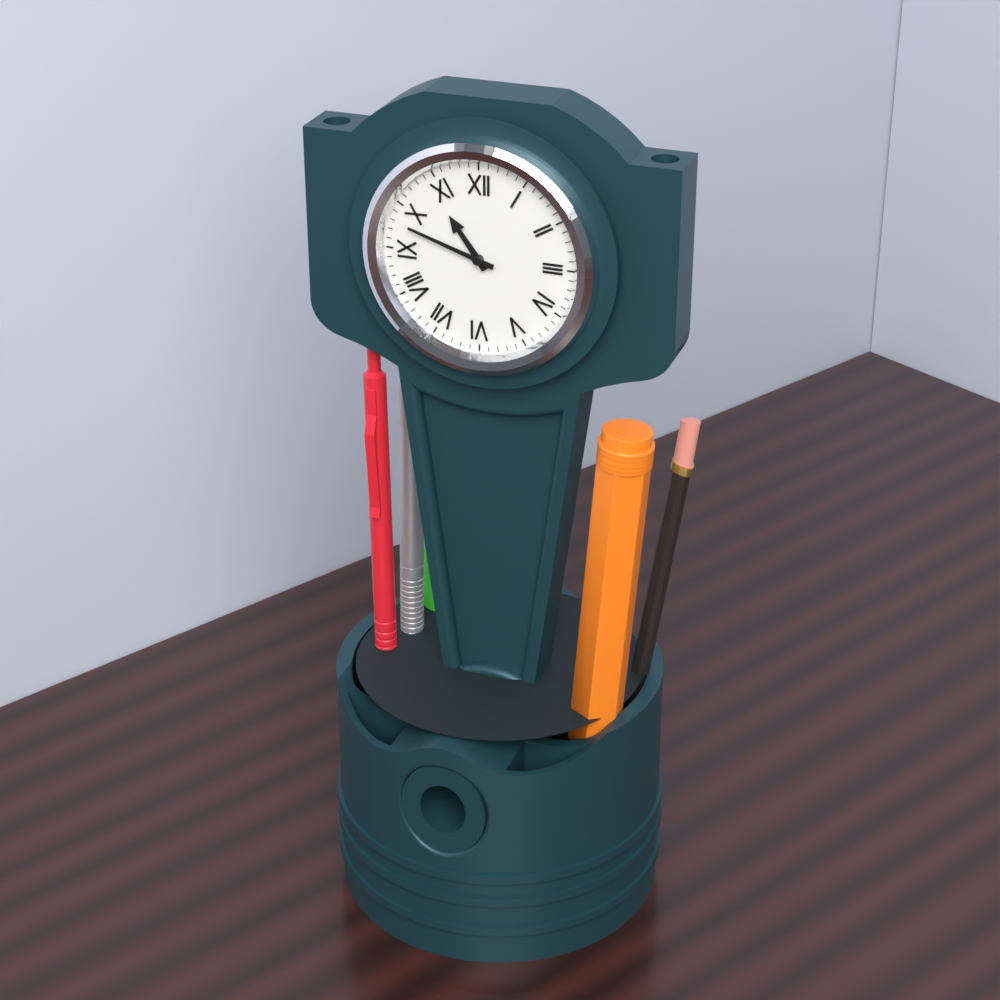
10:48
